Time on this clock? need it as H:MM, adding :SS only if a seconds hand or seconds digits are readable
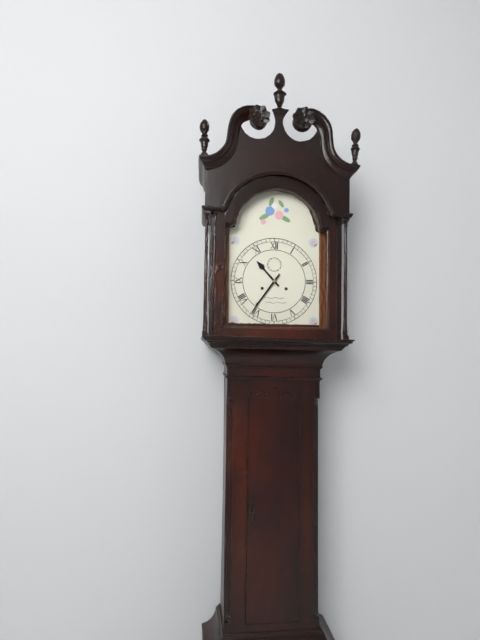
10:36
